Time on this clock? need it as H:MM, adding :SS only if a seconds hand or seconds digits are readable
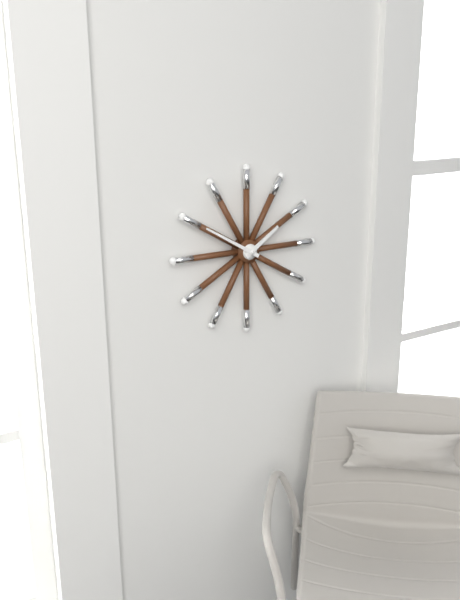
1:50
